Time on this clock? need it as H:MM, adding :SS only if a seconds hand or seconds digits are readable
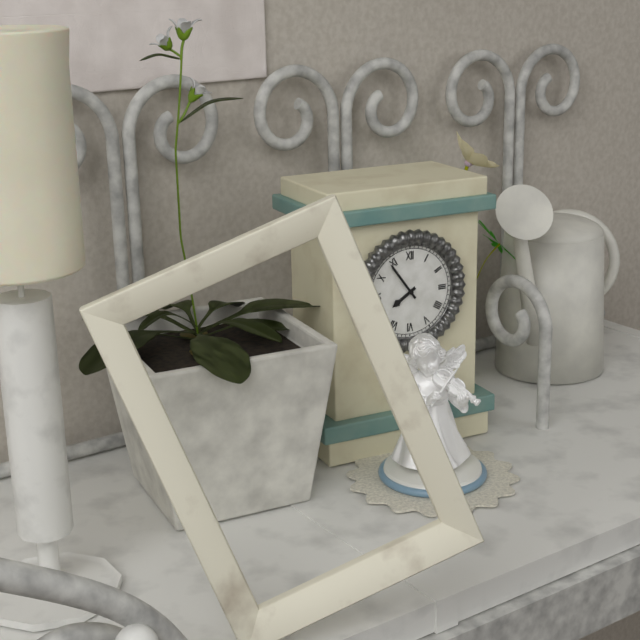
7:54
